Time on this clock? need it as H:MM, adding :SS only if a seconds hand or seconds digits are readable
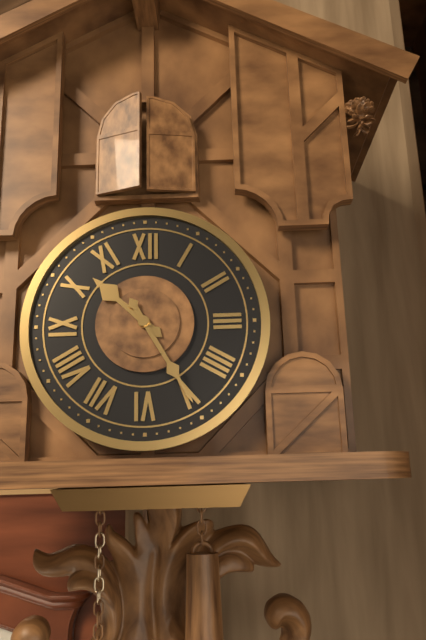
10:25
